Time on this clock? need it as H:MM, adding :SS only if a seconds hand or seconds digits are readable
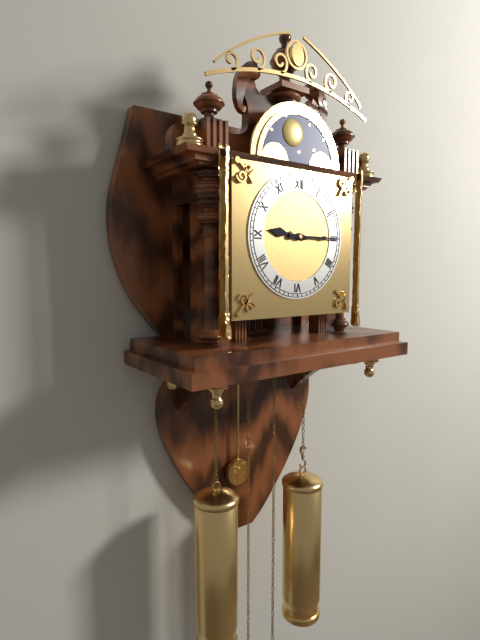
9:15
